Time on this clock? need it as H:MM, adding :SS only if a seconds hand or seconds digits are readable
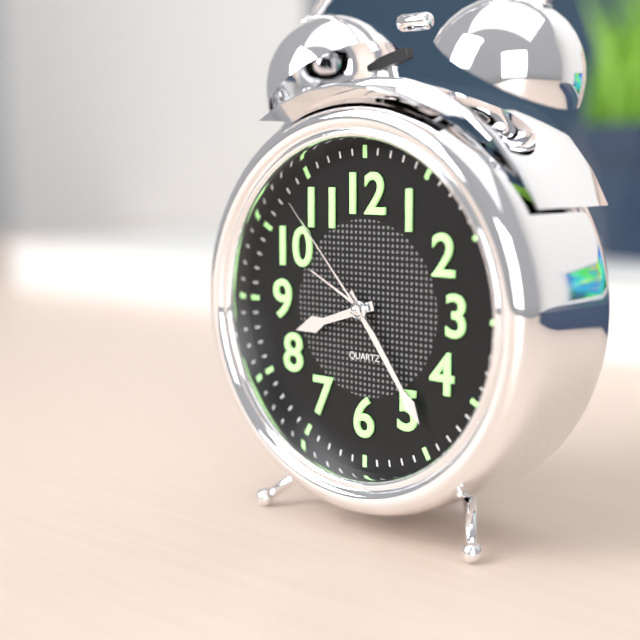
8:24:53
